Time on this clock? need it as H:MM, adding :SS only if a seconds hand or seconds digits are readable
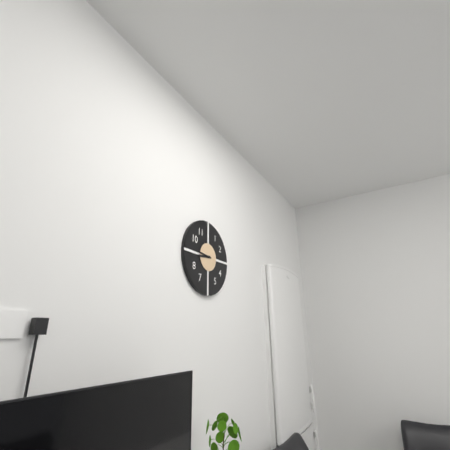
8:46
